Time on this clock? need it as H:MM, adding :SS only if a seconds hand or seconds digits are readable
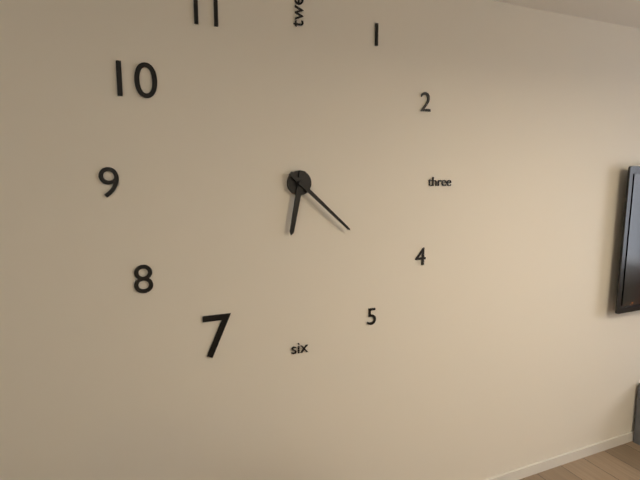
6:22
